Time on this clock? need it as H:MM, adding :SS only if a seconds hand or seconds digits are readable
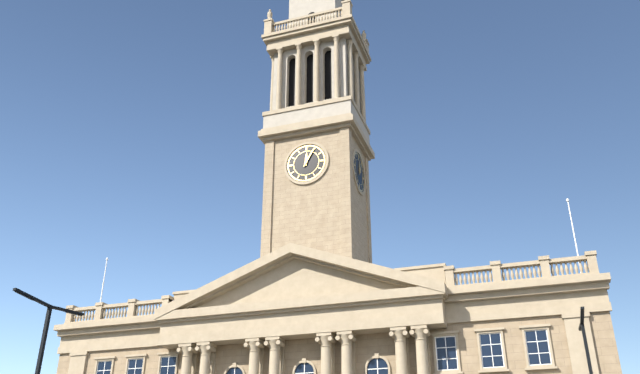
12:05
